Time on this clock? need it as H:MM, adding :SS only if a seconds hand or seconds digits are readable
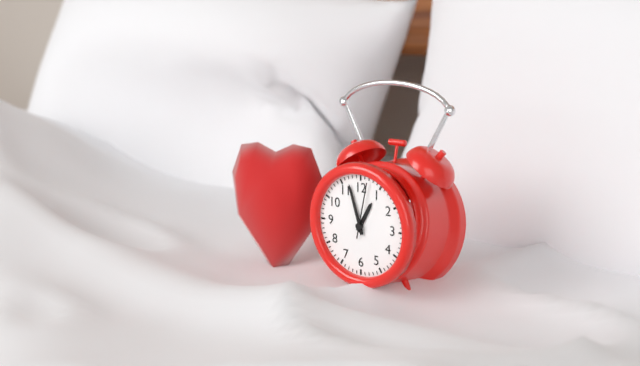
12:57:02
